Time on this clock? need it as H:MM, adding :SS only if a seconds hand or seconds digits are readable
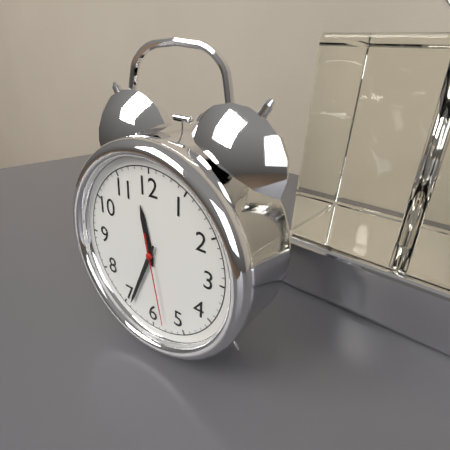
11:34:28
